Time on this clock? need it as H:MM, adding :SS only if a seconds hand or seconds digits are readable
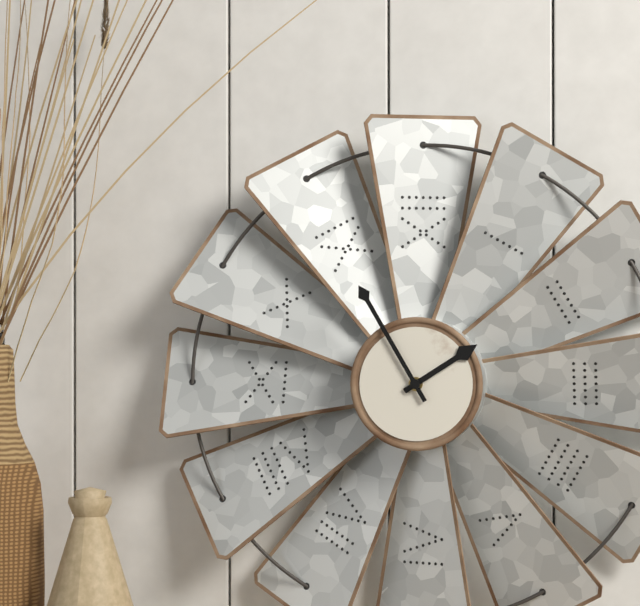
1:55
